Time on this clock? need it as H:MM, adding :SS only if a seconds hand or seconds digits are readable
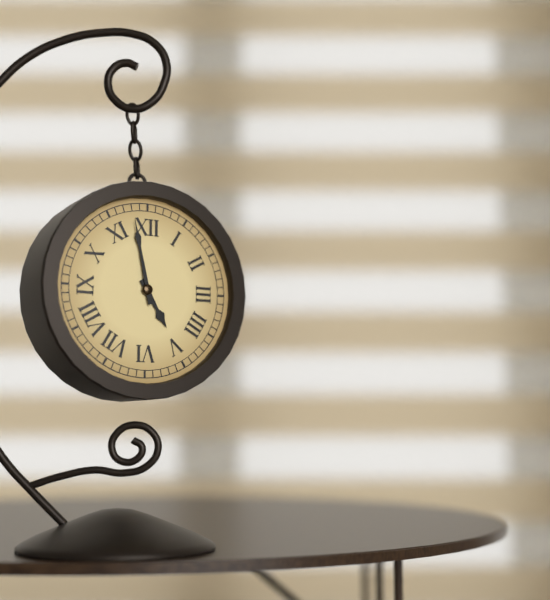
4:58
